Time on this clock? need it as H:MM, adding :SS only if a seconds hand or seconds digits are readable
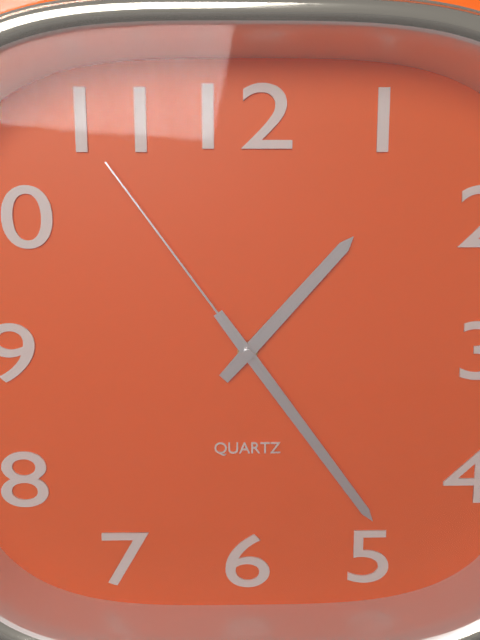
1:24:54
